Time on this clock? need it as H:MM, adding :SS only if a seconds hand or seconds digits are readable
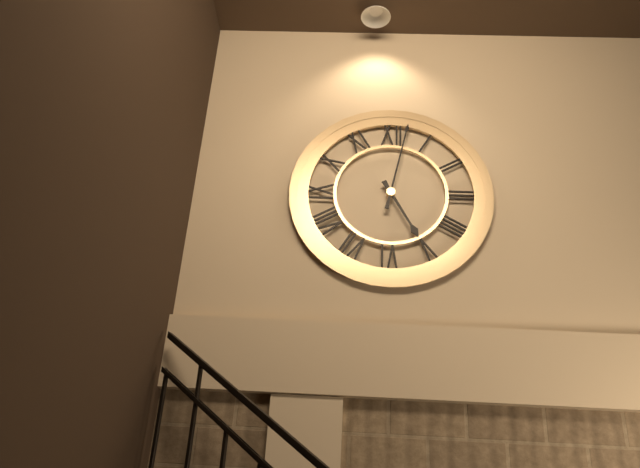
5:02
